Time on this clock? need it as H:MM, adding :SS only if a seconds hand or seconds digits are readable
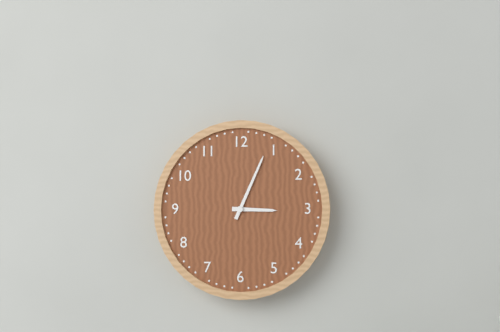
3:04
